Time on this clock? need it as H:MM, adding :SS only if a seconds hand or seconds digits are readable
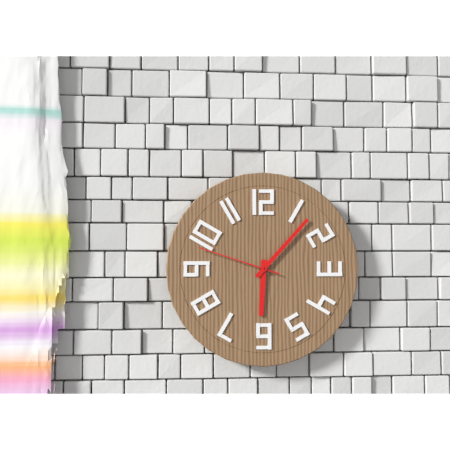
6:07:48
